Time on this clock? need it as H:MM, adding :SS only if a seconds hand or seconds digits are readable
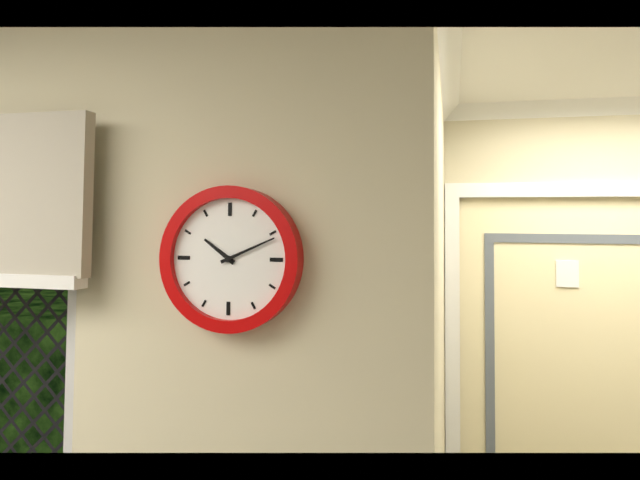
10:11
